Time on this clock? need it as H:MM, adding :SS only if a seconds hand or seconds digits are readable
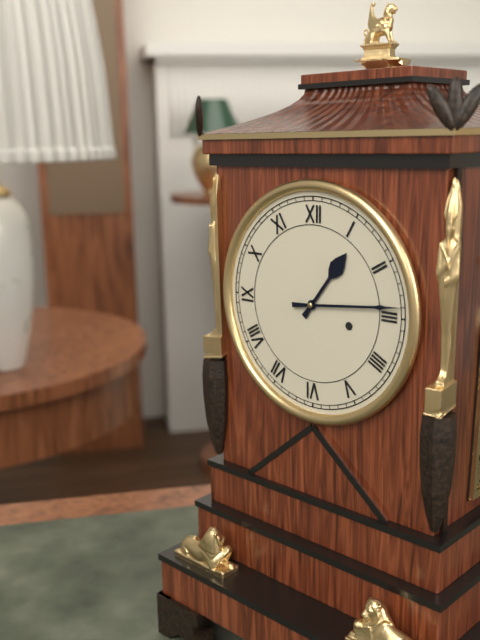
1:14
